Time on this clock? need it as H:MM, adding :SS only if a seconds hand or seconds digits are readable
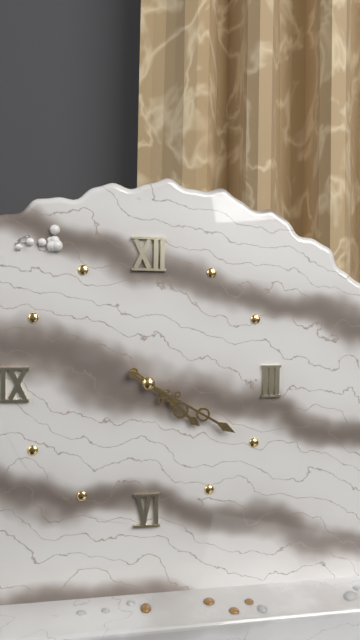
4:20
